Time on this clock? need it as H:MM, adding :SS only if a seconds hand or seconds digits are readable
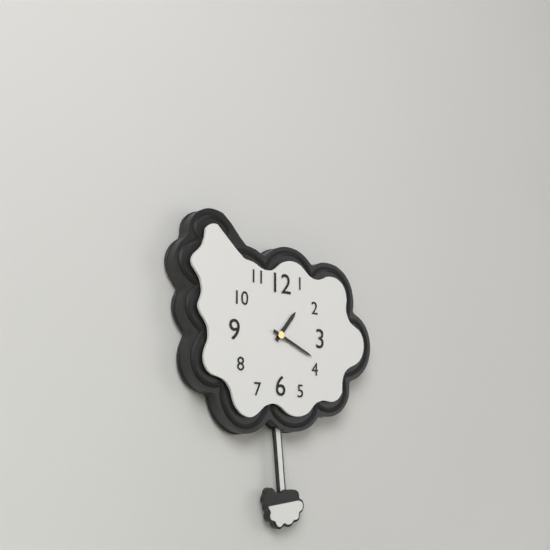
1:19
